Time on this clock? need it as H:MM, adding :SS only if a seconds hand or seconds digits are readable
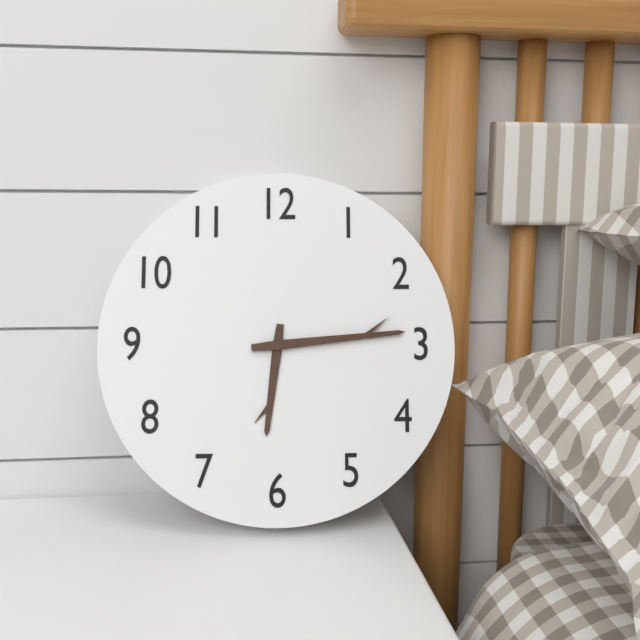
6:14
